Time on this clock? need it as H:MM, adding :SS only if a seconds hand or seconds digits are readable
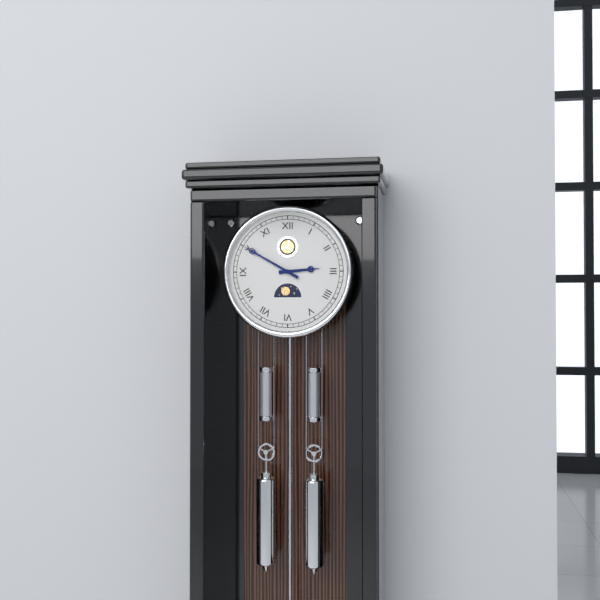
2:50
